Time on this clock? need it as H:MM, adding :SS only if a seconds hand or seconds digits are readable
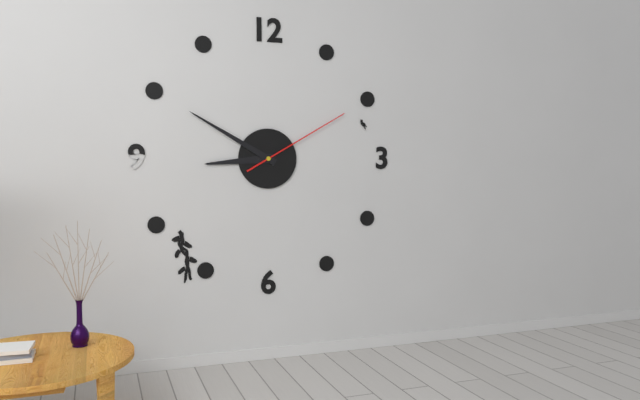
8:50:10
